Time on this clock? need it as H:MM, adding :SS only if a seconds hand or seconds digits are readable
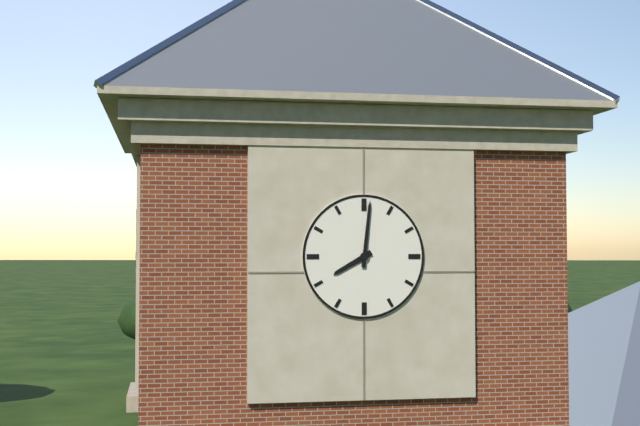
8:01
